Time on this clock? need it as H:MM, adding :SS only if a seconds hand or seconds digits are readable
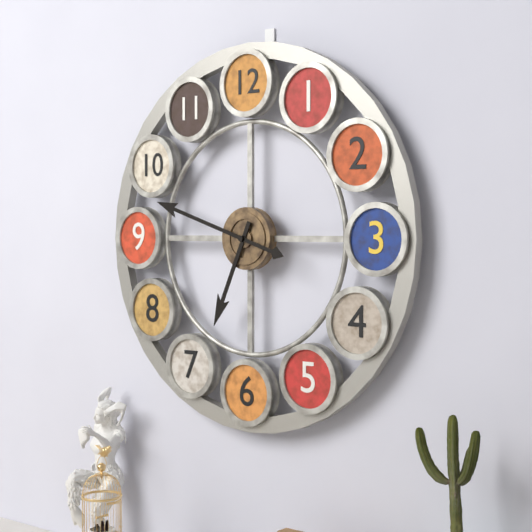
6:48
